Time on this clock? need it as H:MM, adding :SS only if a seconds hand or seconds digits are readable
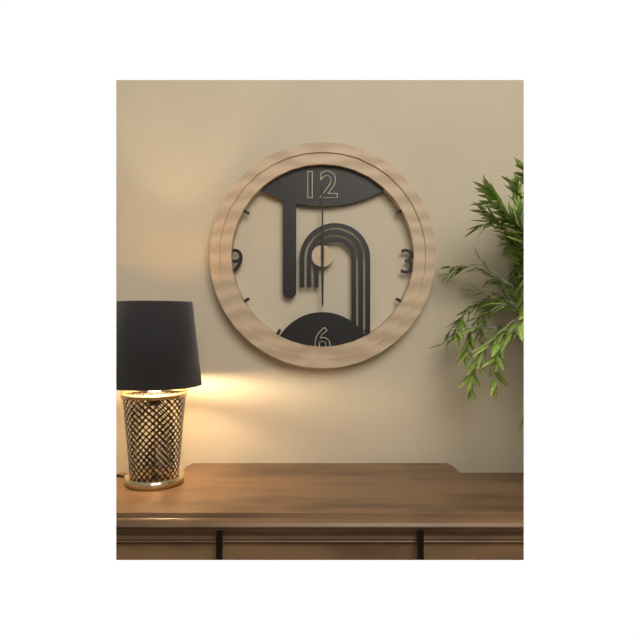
6:00
